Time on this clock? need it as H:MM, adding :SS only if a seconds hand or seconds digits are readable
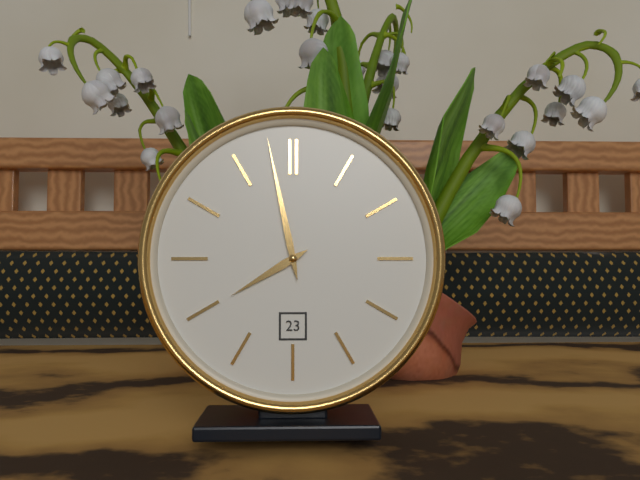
7:58
